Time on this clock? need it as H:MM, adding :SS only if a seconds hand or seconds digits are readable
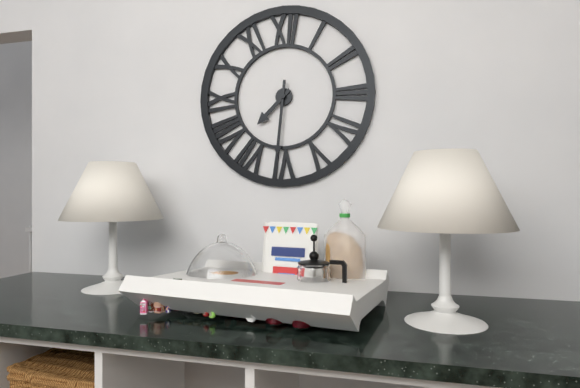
7:31
